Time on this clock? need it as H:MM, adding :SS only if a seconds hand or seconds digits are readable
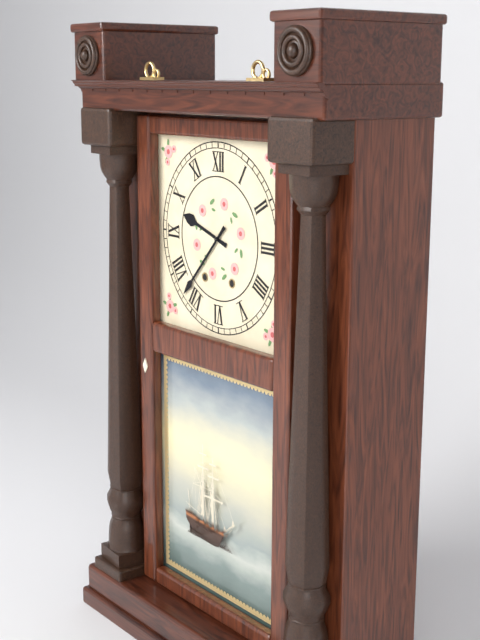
9:37
